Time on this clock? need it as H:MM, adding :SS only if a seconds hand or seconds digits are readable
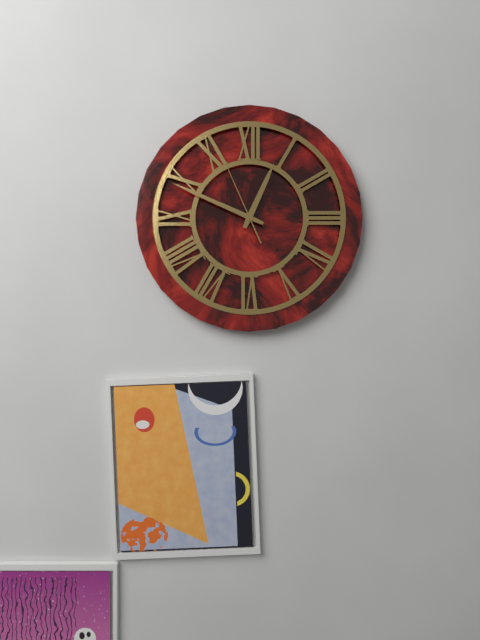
12:49:56
